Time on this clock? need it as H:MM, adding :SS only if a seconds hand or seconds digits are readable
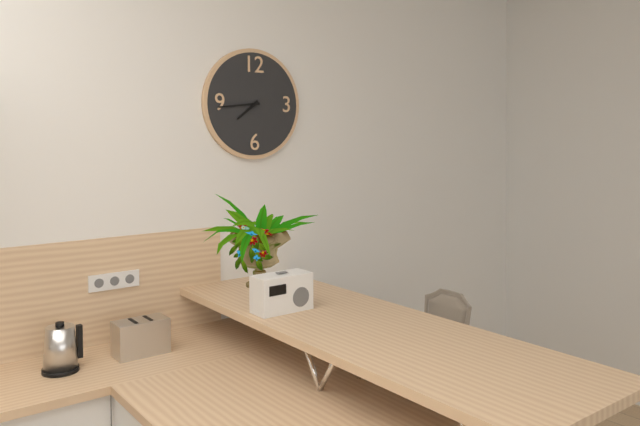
7:44
